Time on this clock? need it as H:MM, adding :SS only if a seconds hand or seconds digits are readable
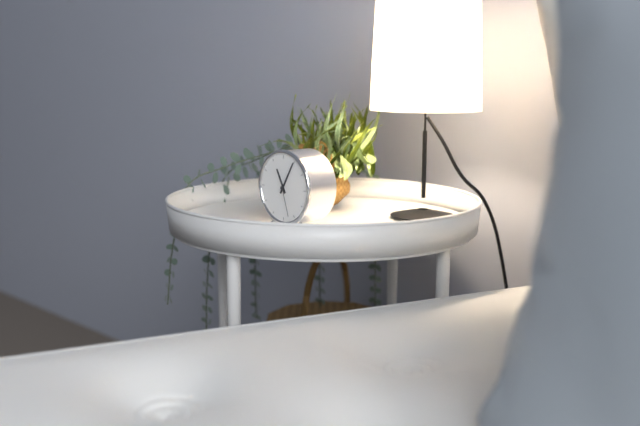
11:05
